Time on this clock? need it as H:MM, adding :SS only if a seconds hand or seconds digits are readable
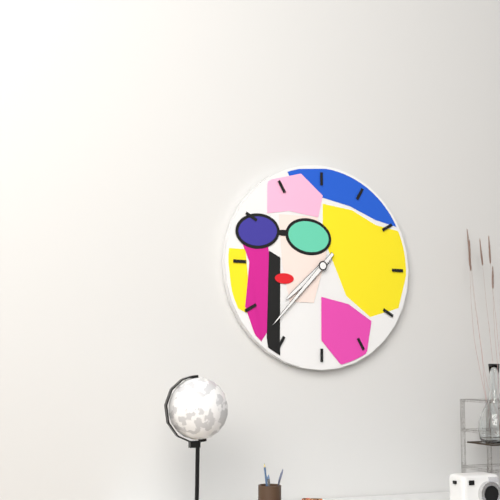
7:37
